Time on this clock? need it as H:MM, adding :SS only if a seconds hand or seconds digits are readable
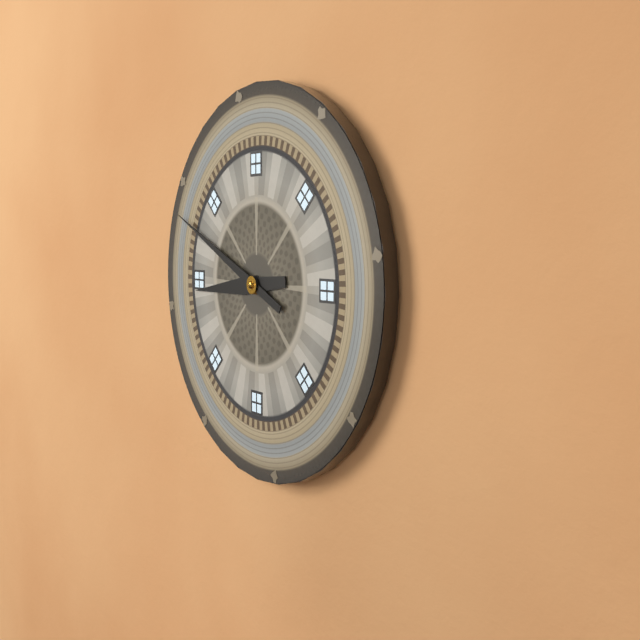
8:49
